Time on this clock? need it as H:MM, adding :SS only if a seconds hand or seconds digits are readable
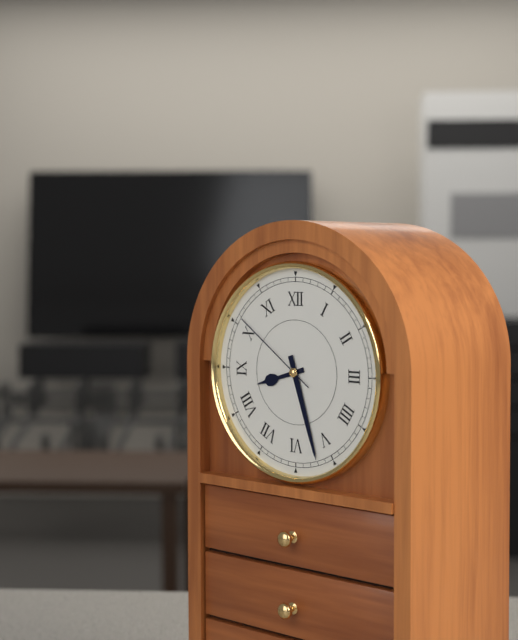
8:27:51
